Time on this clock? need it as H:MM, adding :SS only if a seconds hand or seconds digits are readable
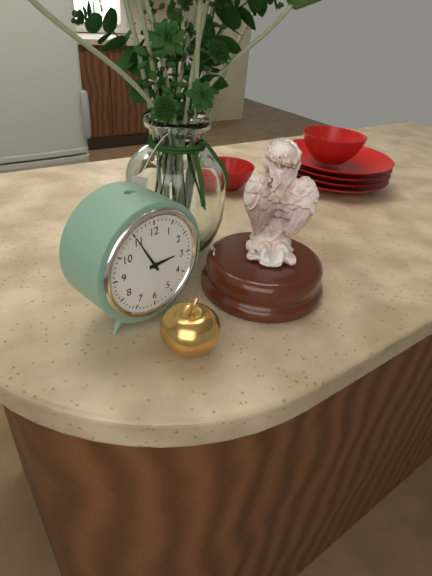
2:55
